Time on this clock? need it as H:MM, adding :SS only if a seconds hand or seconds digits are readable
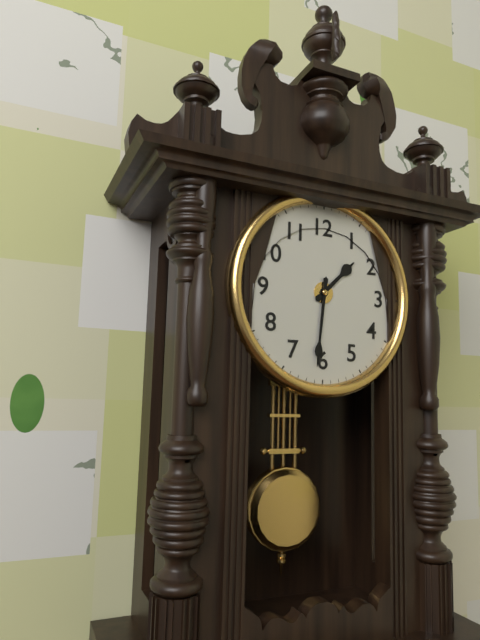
1:31
